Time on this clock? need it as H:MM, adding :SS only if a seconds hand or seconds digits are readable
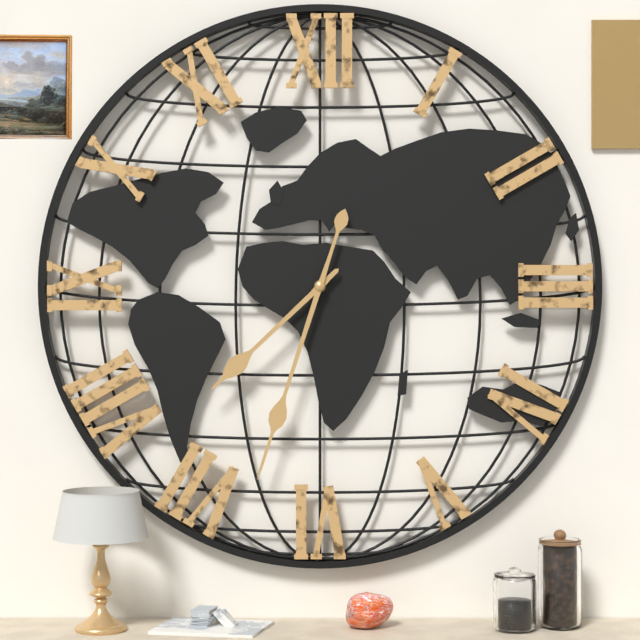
7:33
